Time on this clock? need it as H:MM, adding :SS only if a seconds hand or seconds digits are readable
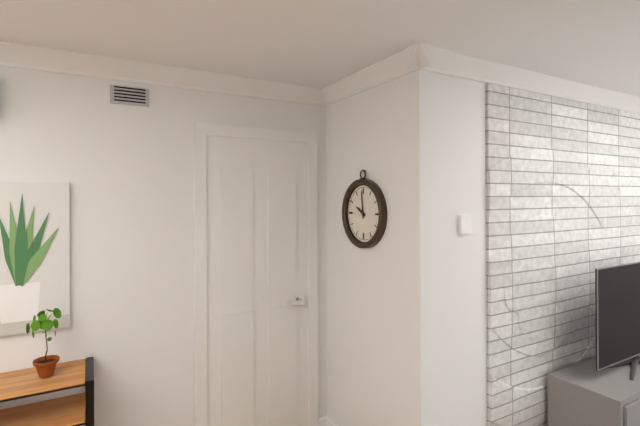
9:59
